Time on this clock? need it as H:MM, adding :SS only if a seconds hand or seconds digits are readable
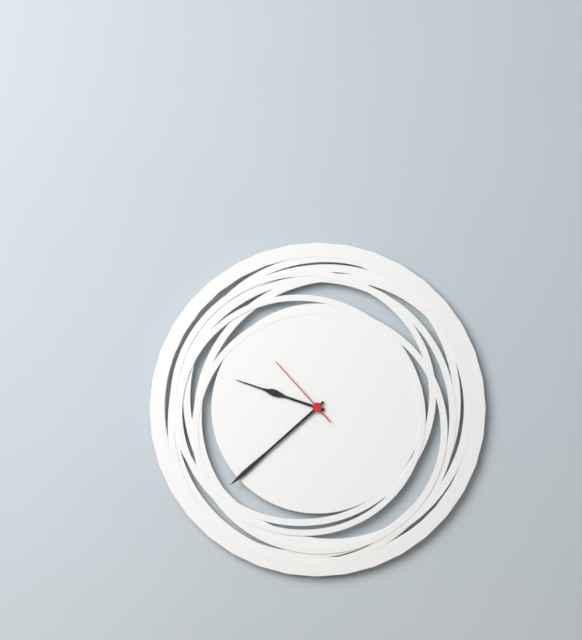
9:38:53
